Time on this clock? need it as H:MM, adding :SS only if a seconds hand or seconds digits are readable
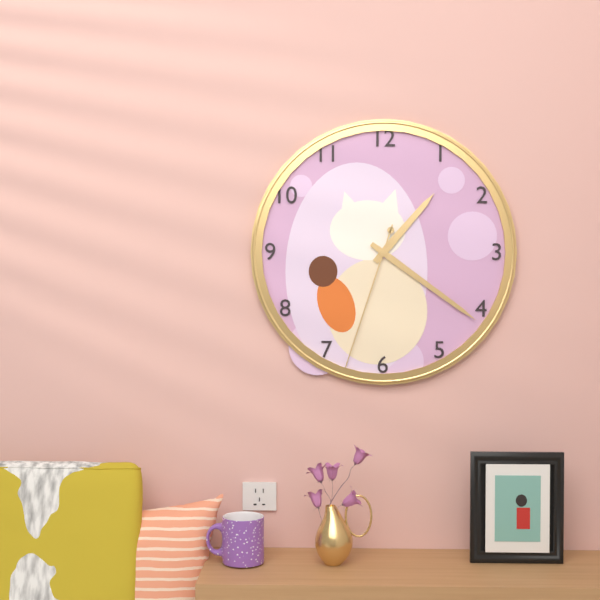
1:21:33
